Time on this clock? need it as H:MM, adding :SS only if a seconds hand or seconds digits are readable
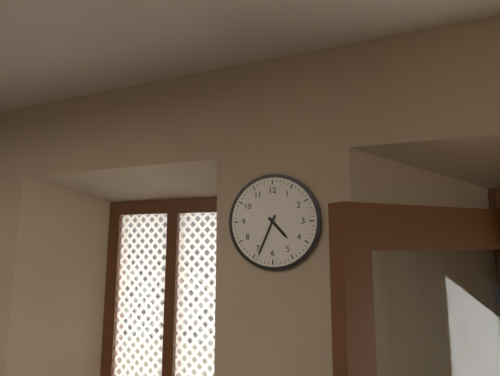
4:34
